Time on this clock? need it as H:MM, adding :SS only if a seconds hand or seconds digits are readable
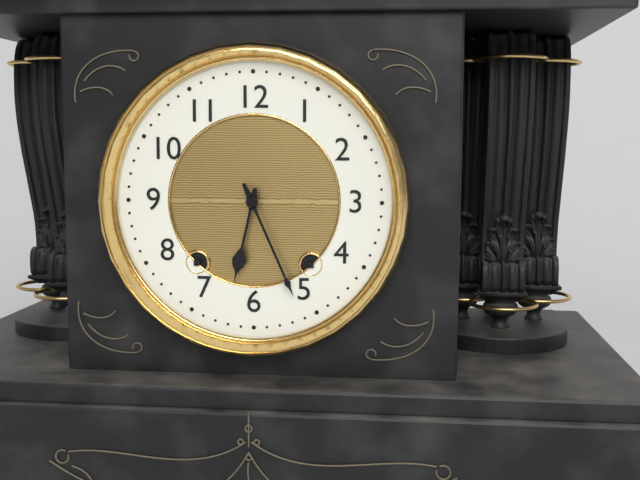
6:26
